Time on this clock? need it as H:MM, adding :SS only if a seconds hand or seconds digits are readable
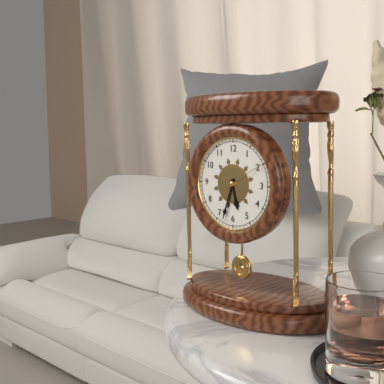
5:33
